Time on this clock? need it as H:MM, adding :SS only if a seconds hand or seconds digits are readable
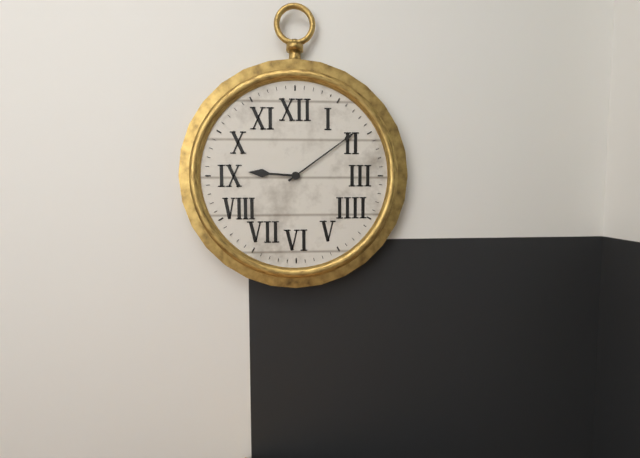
9:09
